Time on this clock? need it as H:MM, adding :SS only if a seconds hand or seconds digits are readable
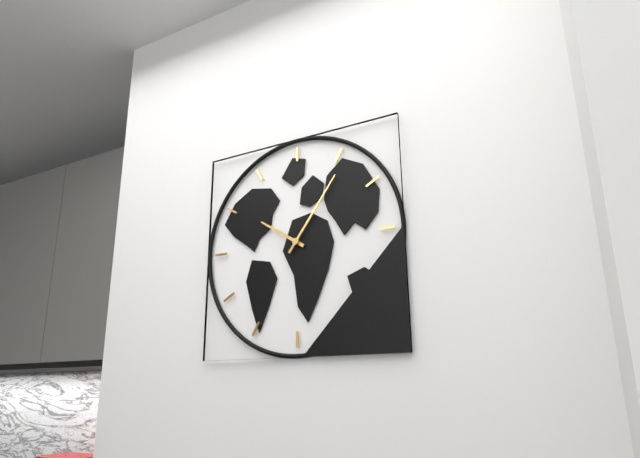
10:06
